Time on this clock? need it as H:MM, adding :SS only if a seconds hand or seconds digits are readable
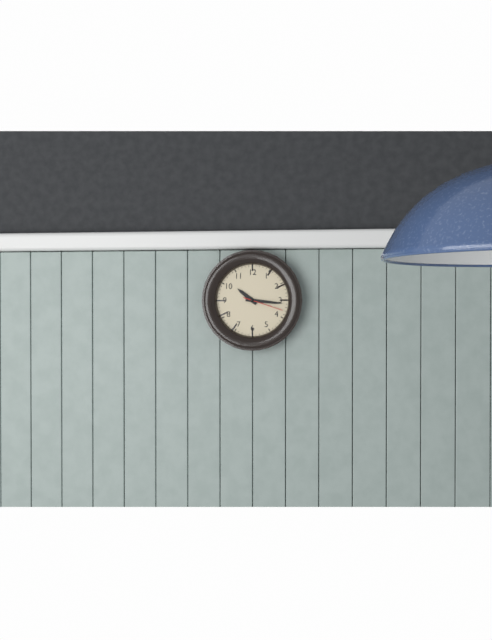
10:16
